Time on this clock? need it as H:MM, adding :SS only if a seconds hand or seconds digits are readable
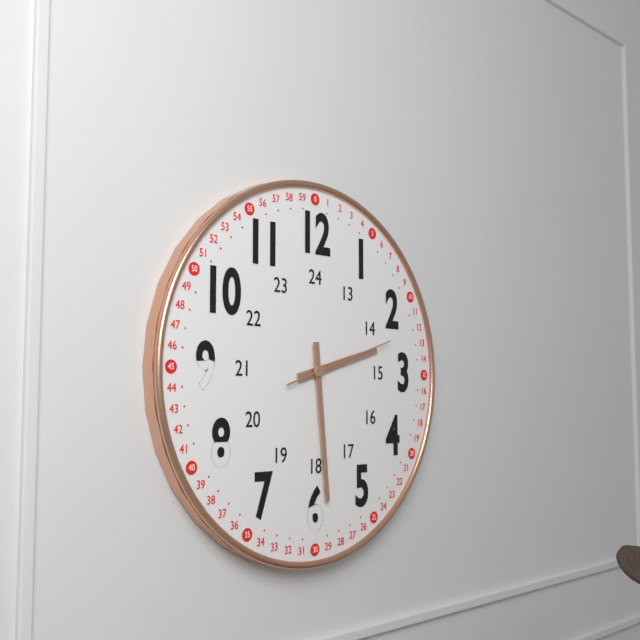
2:29:12
